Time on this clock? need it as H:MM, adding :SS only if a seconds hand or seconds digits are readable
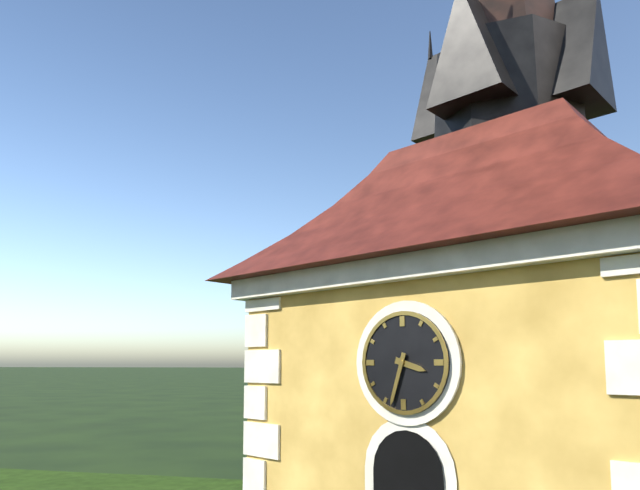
3:33
